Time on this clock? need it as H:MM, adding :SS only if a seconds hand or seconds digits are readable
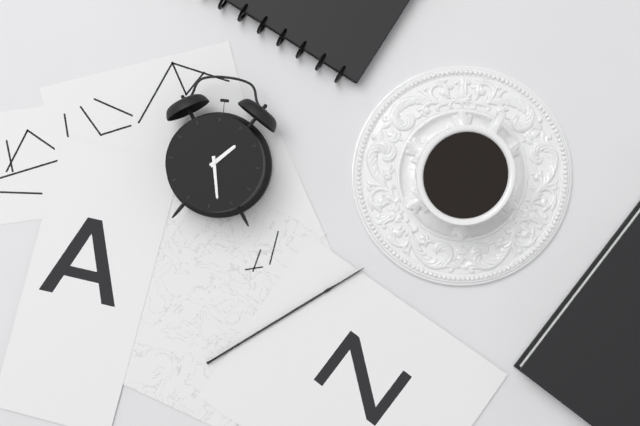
1:28
